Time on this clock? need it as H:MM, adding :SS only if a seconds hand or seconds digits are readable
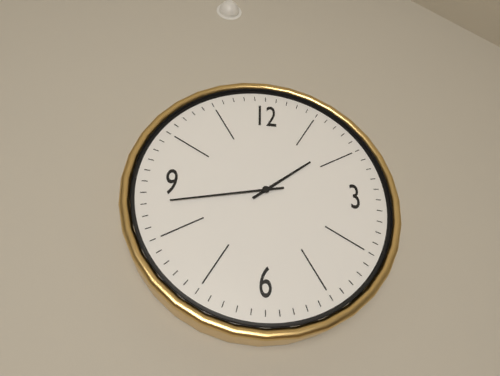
1:43
